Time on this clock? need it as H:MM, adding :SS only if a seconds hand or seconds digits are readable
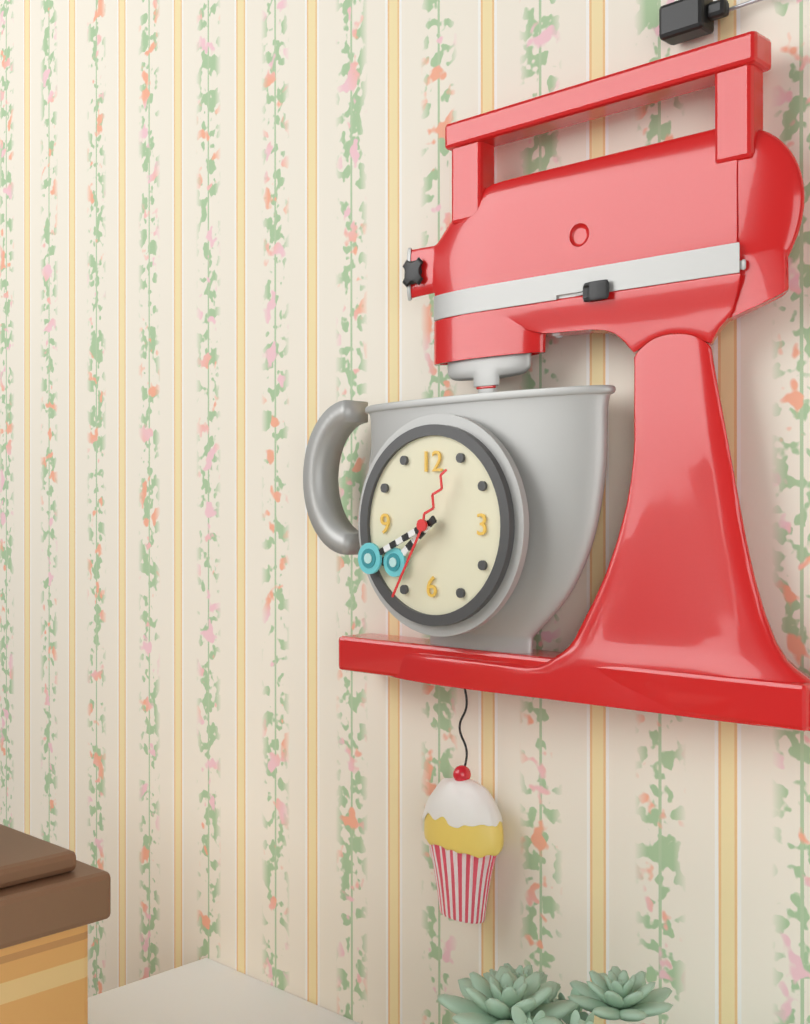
7:41:35
